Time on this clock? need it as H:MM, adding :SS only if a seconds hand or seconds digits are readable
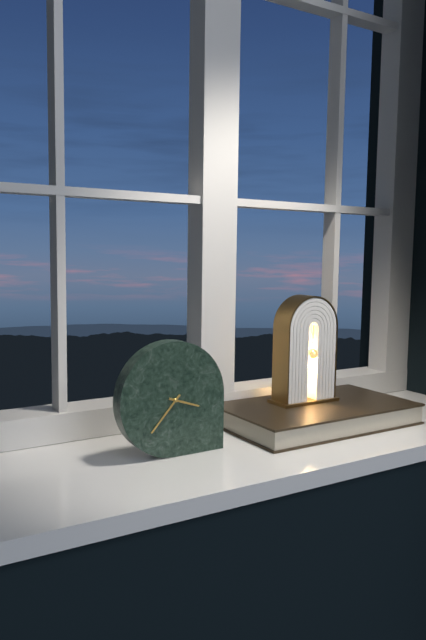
3:37
